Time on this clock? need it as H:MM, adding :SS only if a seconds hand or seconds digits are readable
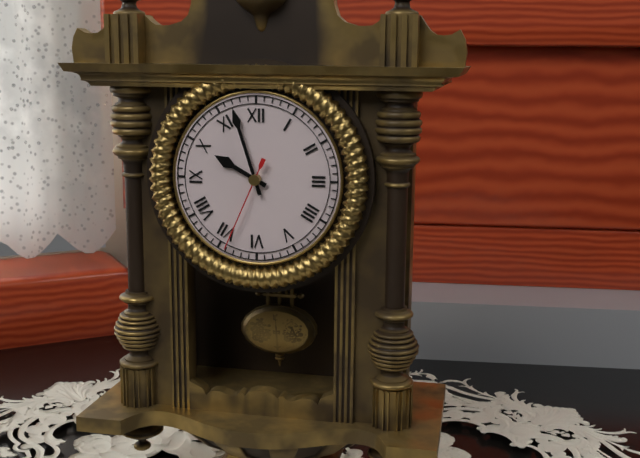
9:57:34
